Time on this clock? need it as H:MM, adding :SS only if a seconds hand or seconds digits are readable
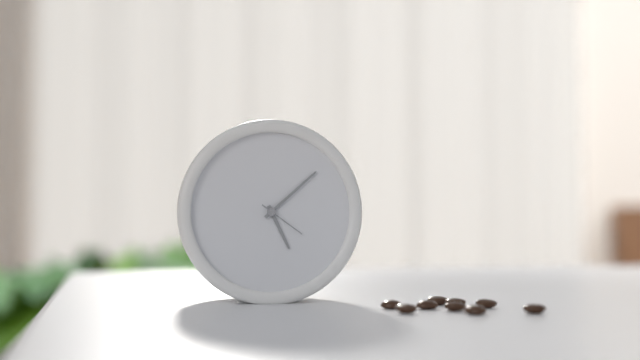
5:08
